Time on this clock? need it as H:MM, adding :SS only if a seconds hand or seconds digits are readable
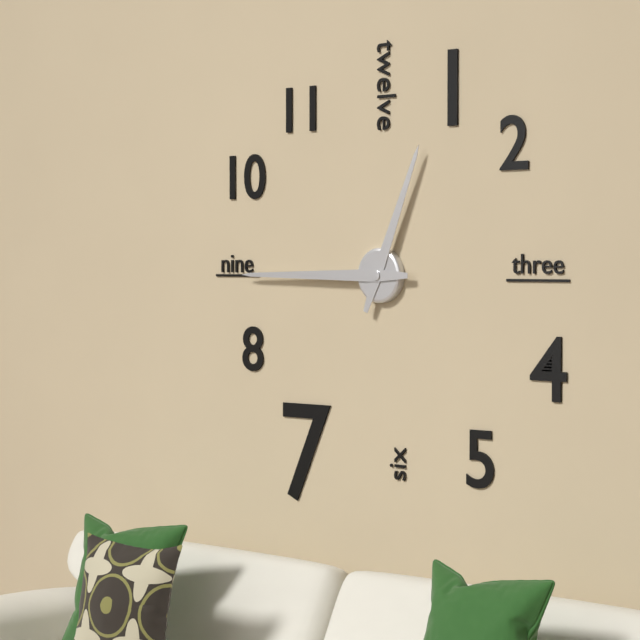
12:45
